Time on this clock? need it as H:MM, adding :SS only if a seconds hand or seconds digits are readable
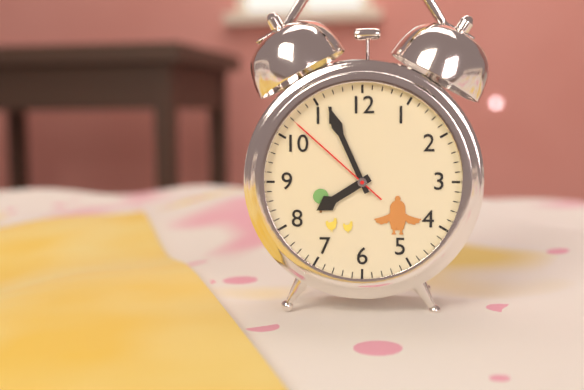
7:56:52
